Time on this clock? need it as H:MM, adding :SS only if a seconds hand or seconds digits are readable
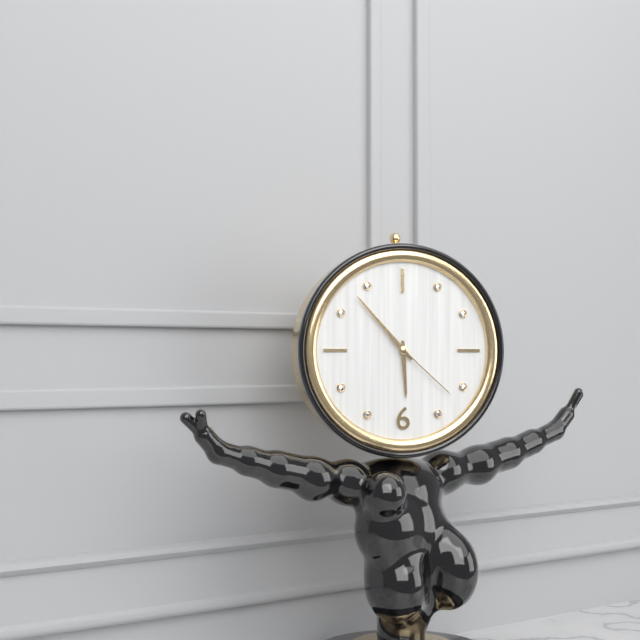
5:53:22
